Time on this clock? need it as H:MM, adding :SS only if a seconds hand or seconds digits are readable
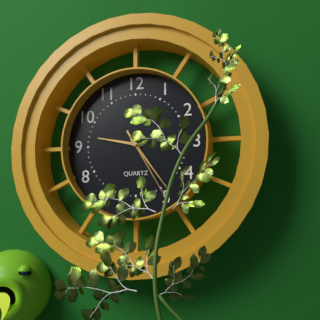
9:24:25
